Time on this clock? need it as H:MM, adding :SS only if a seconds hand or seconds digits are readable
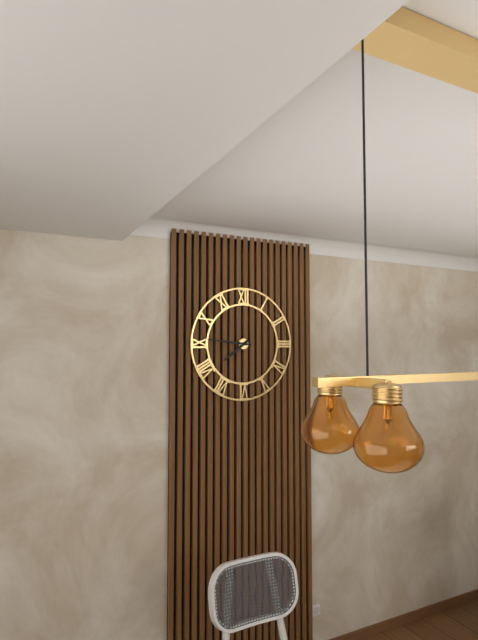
7:46
